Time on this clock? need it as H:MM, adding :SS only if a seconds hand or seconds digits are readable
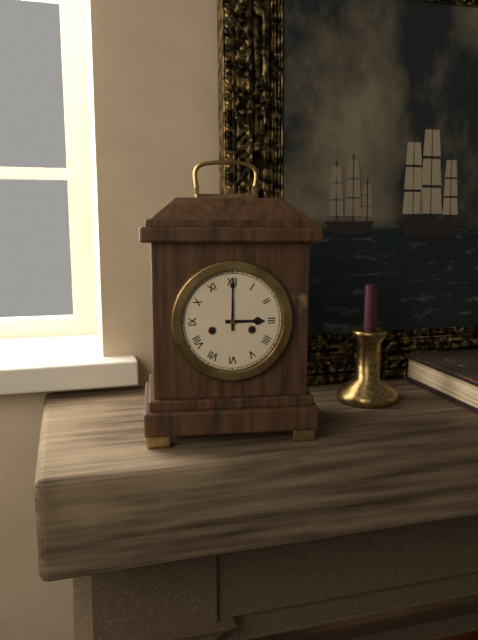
3:00
